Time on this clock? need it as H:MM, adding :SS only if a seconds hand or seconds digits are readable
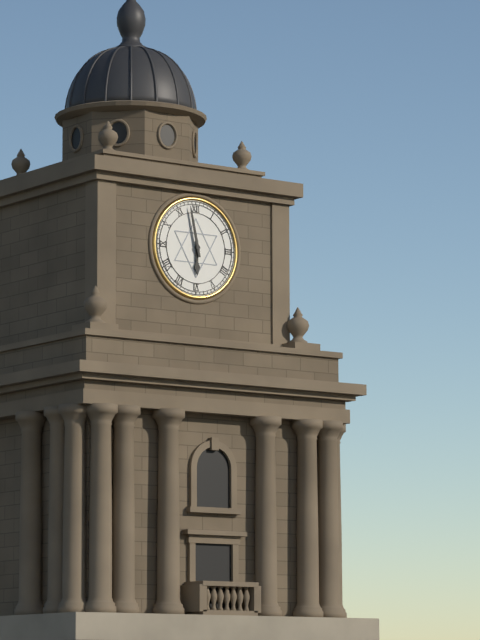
5:58
